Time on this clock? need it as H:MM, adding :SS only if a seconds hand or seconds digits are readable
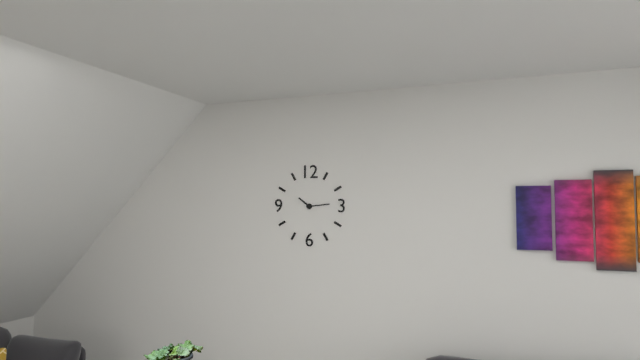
10:14
